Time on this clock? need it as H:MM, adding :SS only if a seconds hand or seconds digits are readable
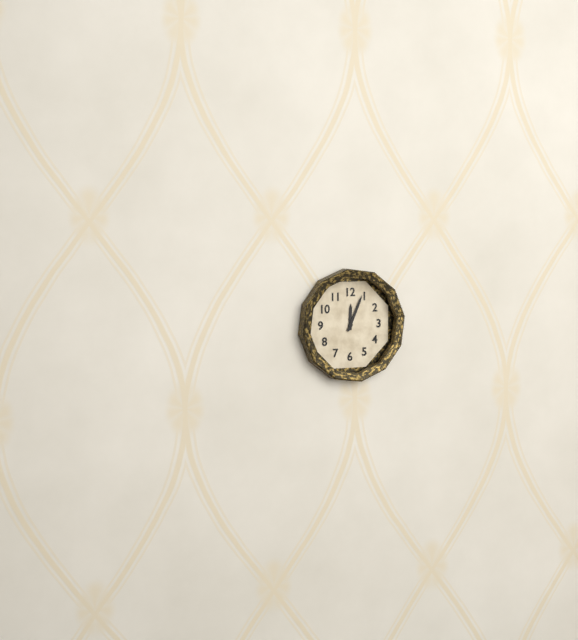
12:04
